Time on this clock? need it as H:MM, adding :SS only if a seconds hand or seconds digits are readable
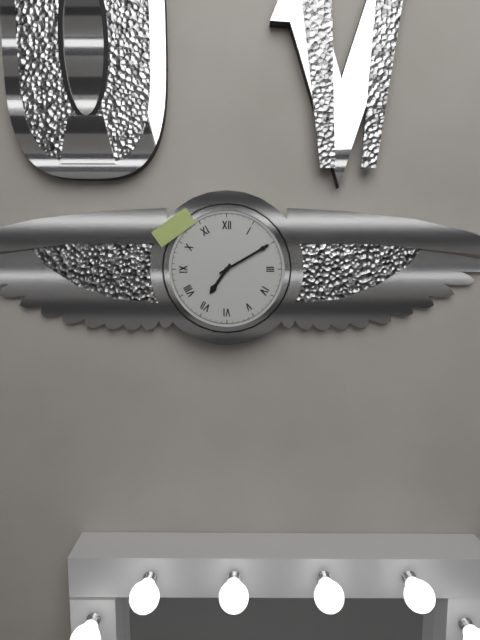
7:10
